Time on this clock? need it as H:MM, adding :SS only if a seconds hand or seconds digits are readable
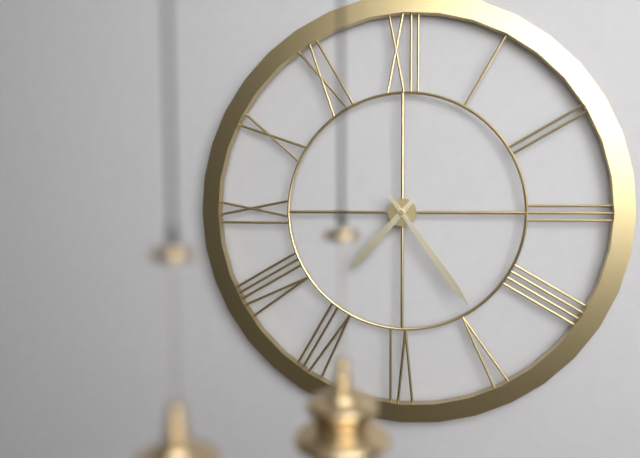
7:24
